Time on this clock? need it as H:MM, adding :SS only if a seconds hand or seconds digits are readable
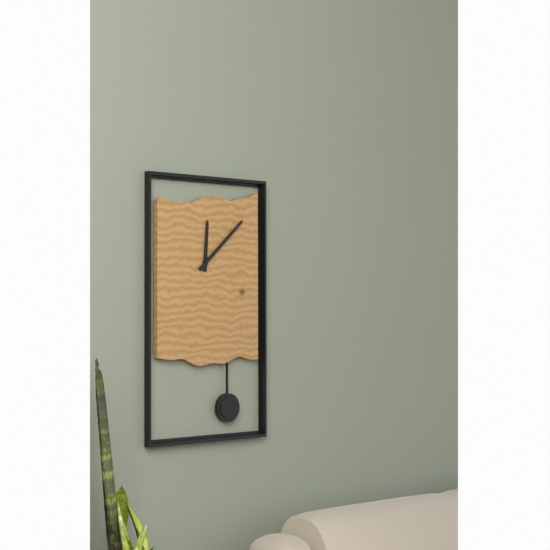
12:08
